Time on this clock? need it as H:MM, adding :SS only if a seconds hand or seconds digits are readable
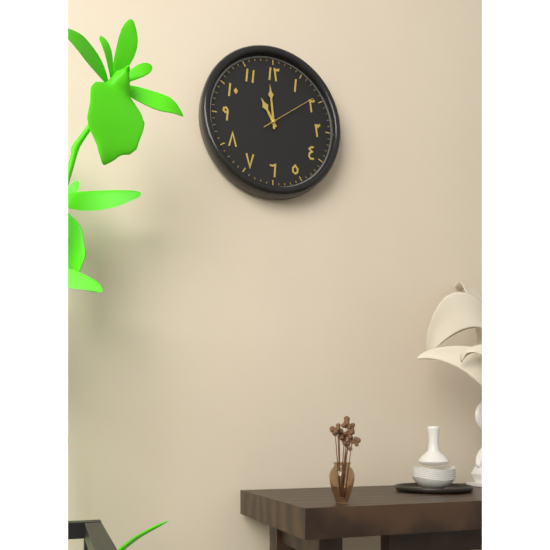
10:59:09
